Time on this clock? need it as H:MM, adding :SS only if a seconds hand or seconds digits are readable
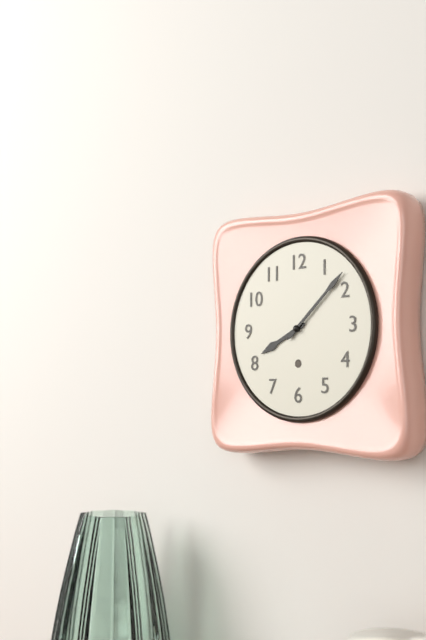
8:08
